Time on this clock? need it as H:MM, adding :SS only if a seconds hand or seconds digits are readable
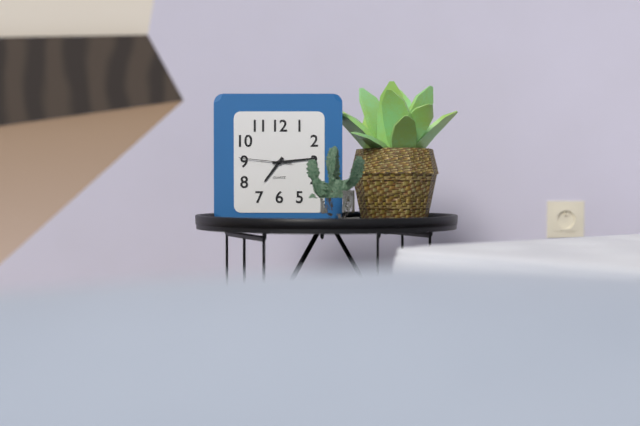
7:14:46
